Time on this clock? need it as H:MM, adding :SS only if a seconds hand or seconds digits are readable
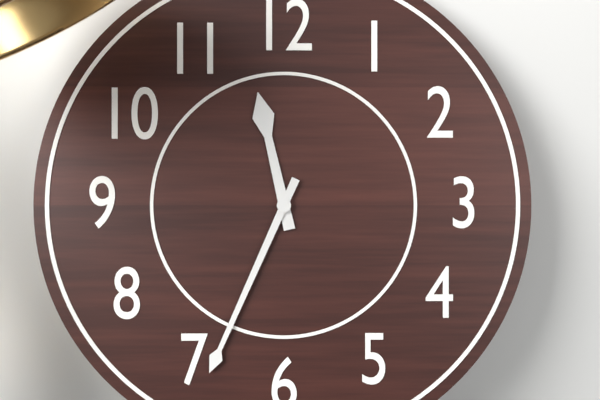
11:34
